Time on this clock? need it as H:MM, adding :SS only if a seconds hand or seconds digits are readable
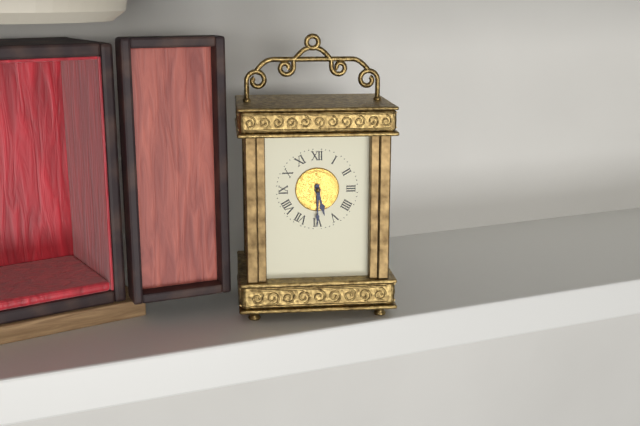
5:30
